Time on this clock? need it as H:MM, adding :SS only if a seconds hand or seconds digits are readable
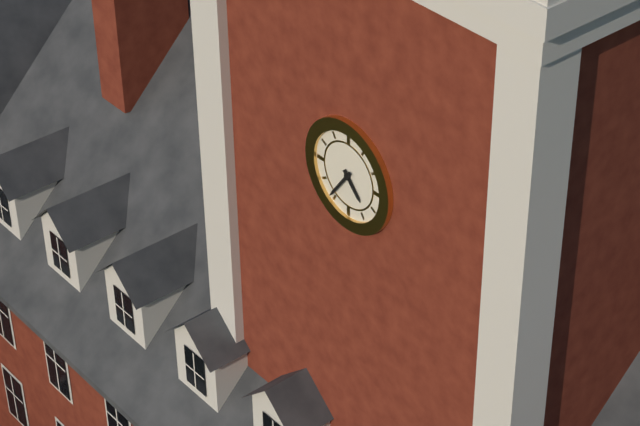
4:36
